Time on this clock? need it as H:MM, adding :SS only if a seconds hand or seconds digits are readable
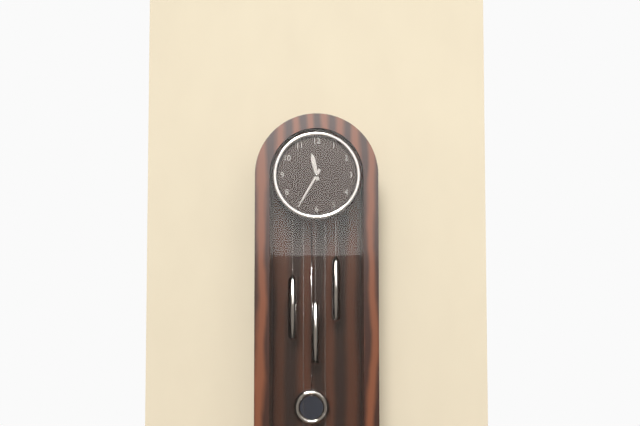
11:35
